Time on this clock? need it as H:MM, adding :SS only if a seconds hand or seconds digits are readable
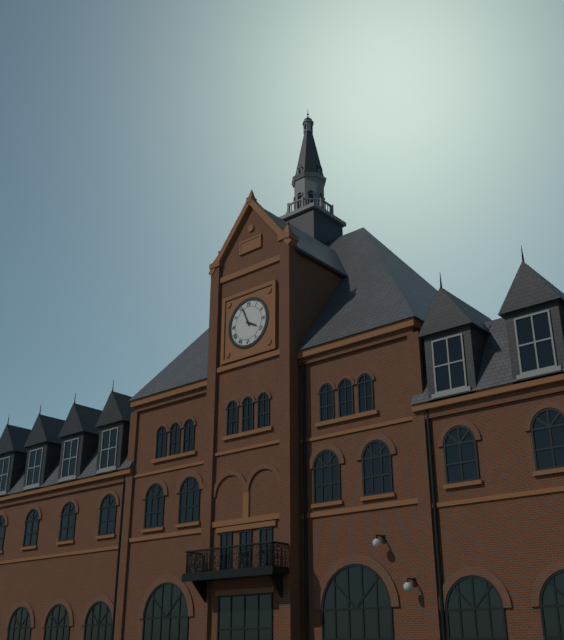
3:56
